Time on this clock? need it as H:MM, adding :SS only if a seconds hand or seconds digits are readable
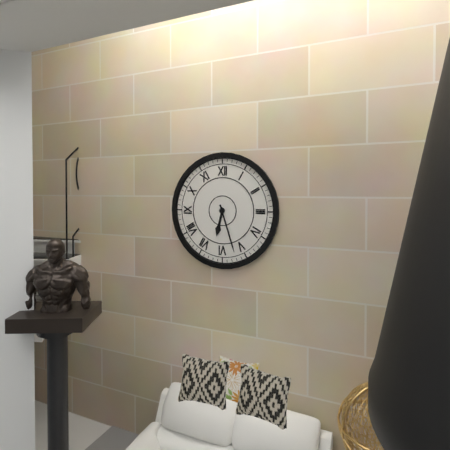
6:27
